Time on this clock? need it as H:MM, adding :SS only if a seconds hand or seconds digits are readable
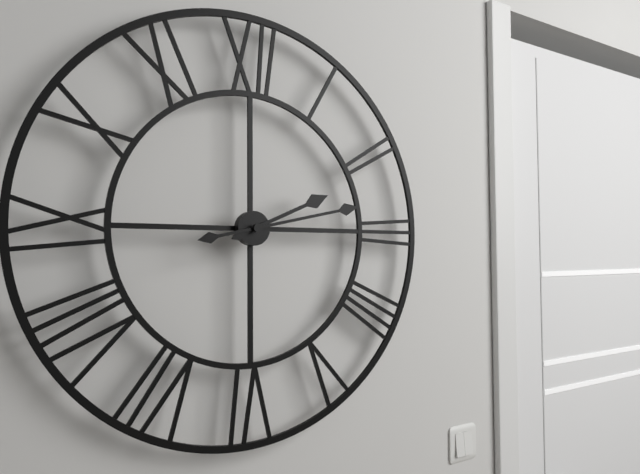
2:13
